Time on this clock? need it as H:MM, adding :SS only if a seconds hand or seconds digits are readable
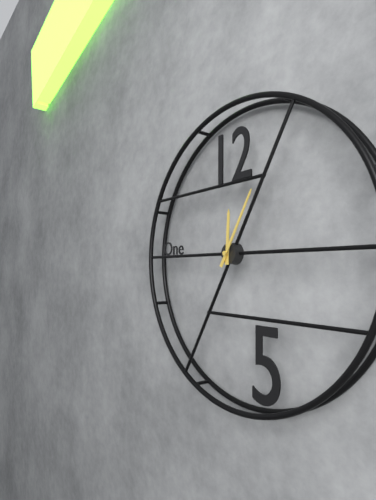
12:05
